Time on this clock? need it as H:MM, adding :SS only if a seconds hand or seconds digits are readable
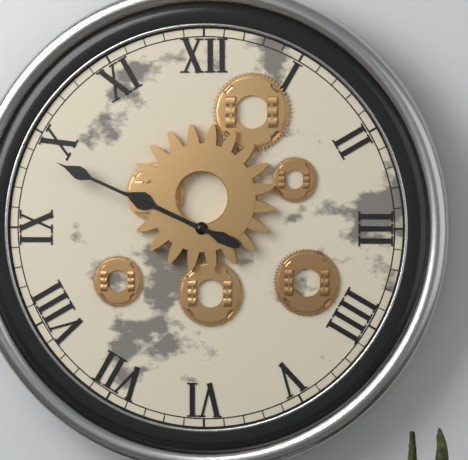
9:49
